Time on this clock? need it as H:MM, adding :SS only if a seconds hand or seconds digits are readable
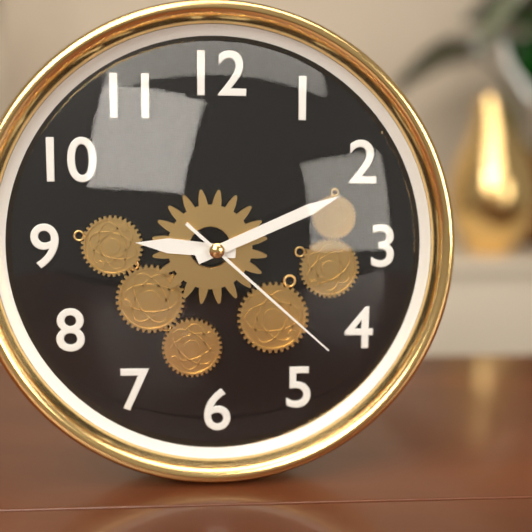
9:11:22
